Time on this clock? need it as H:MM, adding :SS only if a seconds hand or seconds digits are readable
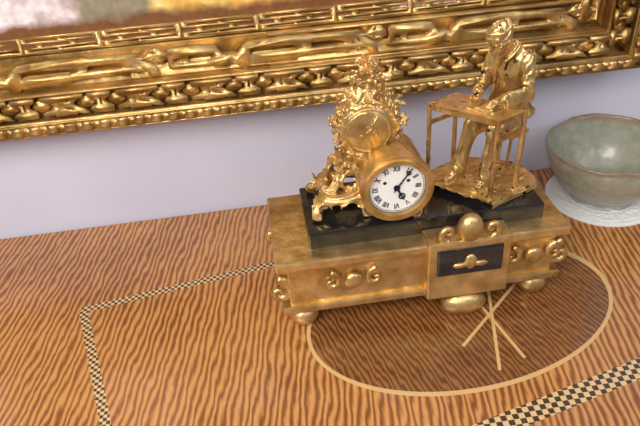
5:06
